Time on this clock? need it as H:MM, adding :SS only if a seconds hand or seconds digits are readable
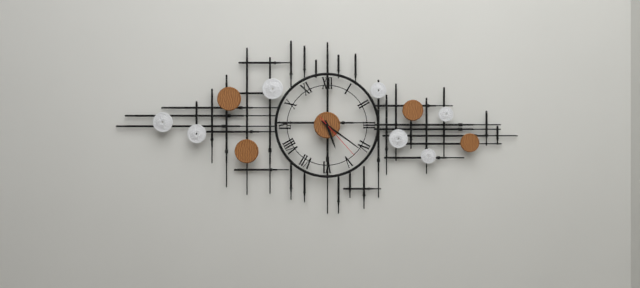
5:21:23
